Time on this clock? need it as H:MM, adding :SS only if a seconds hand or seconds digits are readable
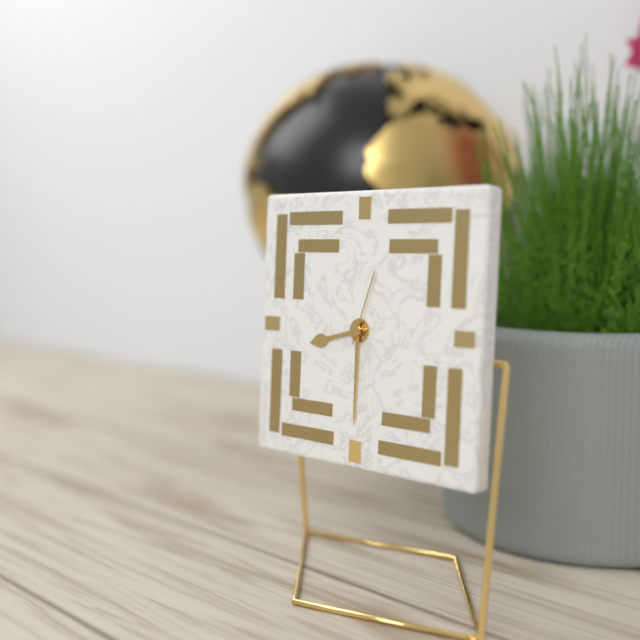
8:30:03
